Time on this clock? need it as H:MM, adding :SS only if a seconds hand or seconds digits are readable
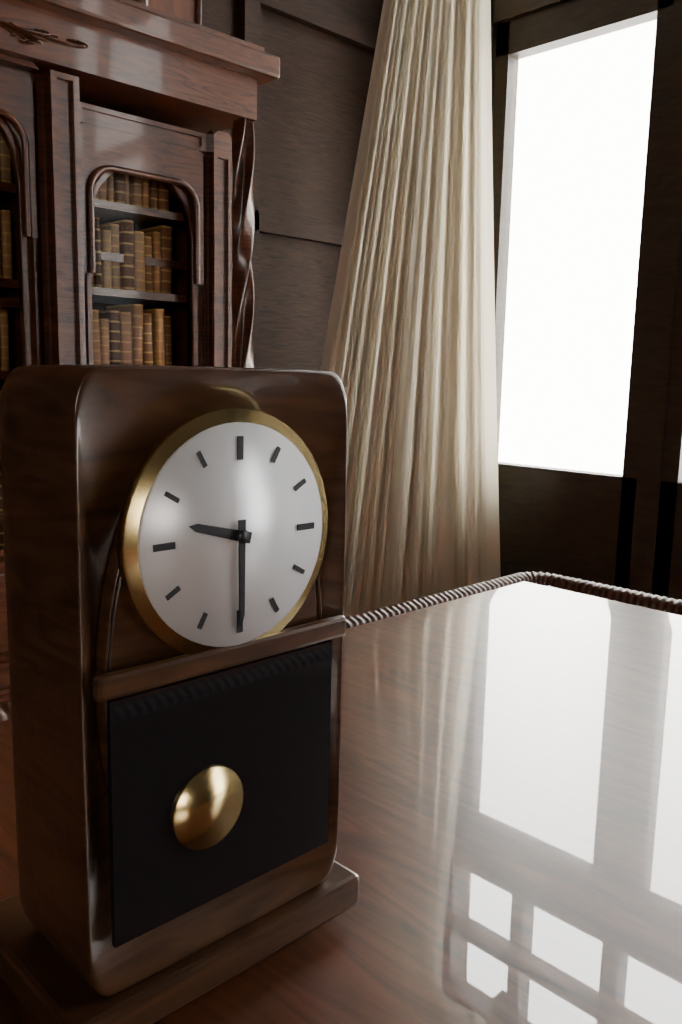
9:30
